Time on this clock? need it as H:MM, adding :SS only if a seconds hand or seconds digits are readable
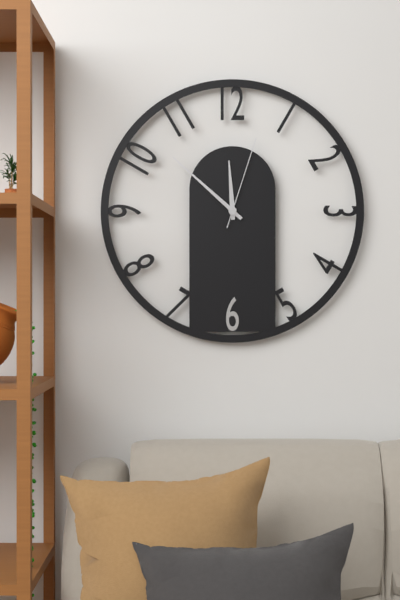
11:52:03
